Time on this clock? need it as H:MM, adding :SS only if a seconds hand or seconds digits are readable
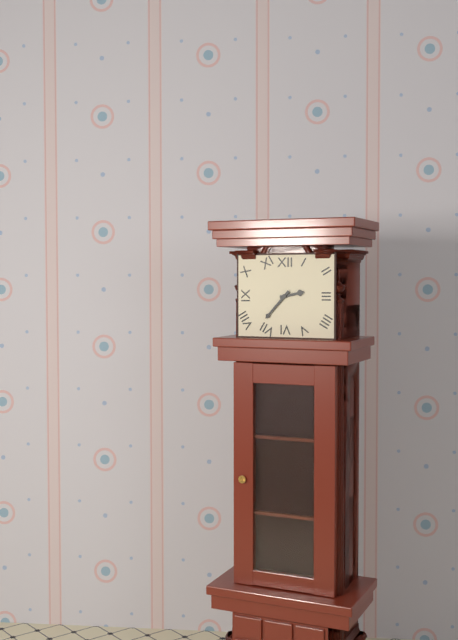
2:37
